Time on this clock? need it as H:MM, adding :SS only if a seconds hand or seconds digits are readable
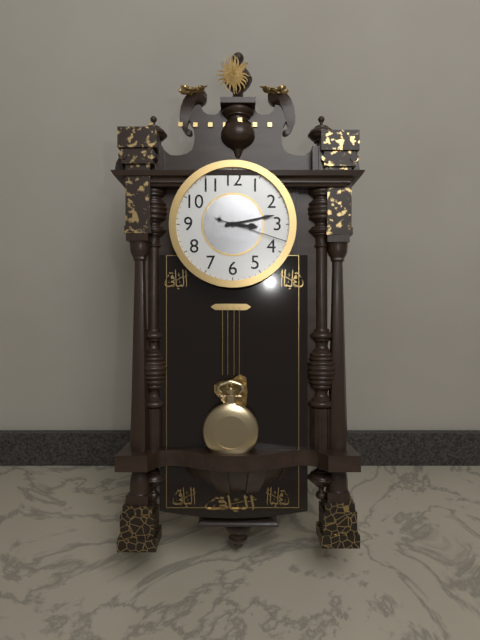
3:13:18
